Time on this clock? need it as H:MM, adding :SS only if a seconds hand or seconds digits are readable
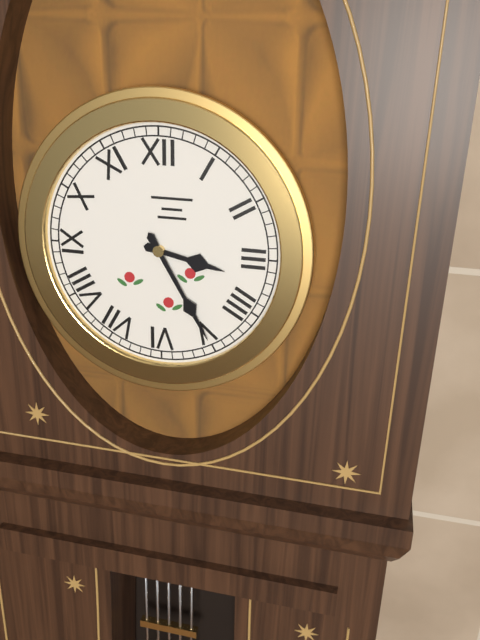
3:25
